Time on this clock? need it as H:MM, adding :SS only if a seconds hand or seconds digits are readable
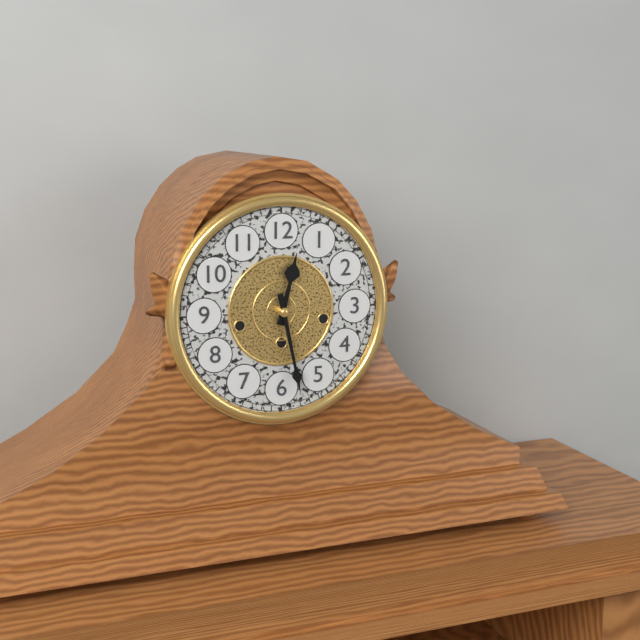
12:28
